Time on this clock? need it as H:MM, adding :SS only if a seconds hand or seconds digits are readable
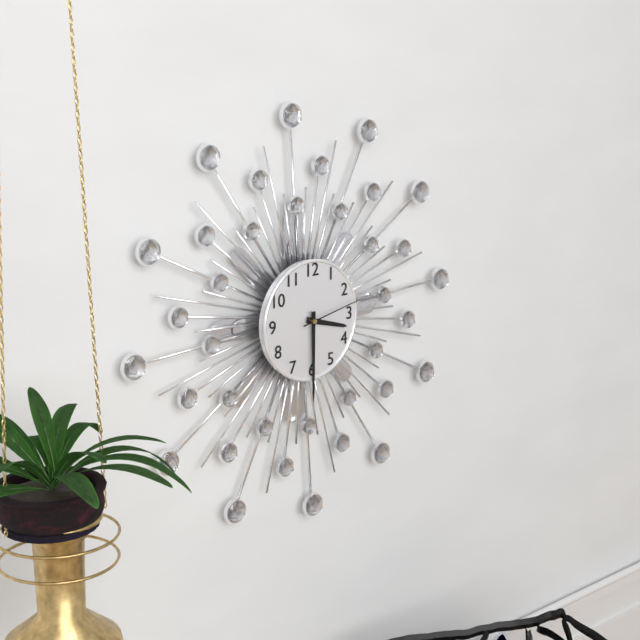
3:30:13
